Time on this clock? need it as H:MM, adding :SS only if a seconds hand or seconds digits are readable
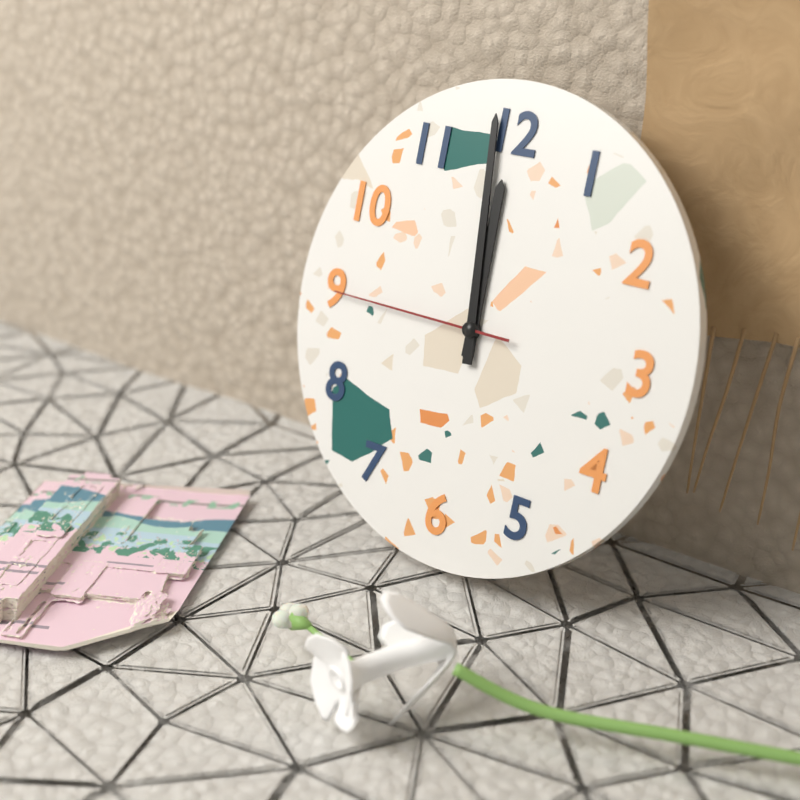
11:59:45
